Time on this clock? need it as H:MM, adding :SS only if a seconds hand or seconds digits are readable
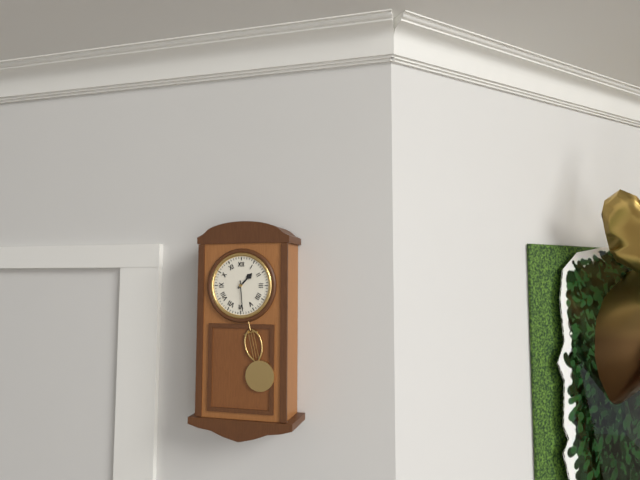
1:29
